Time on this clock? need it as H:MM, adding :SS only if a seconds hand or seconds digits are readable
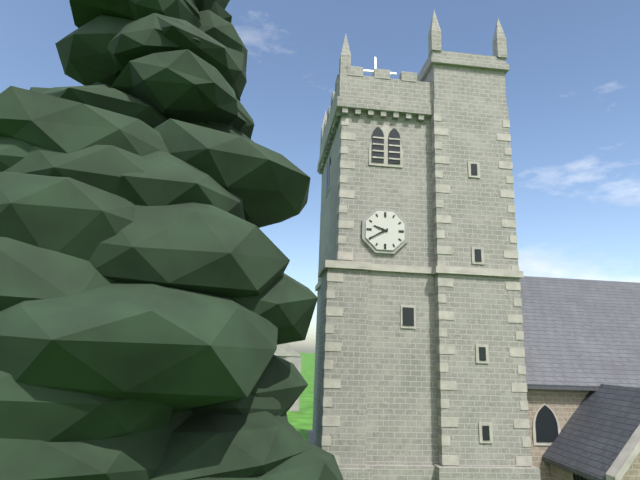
9:40
